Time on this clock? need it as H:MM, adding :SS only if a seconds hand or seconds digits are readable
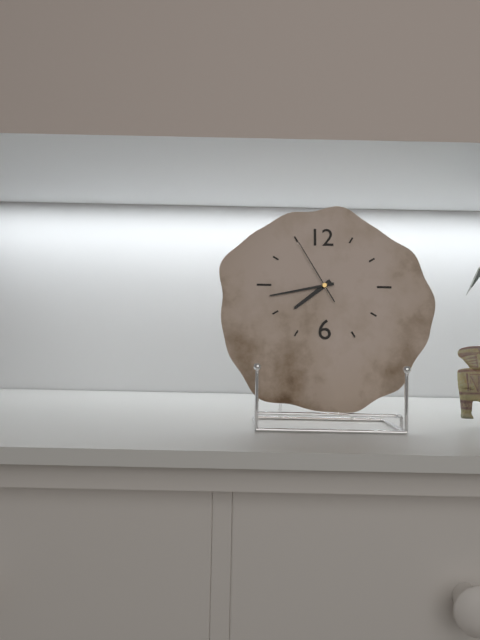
7:43:55
